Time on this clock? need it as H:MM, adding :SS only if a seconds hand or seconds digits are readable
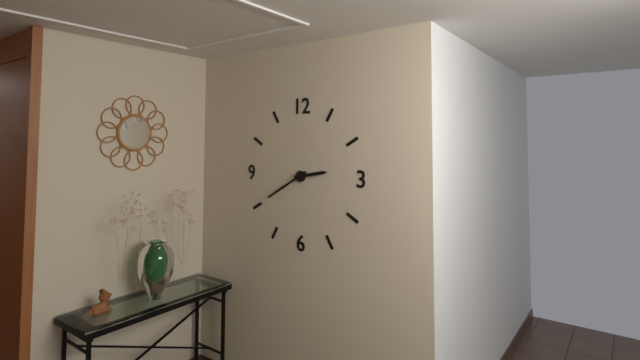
2:40
